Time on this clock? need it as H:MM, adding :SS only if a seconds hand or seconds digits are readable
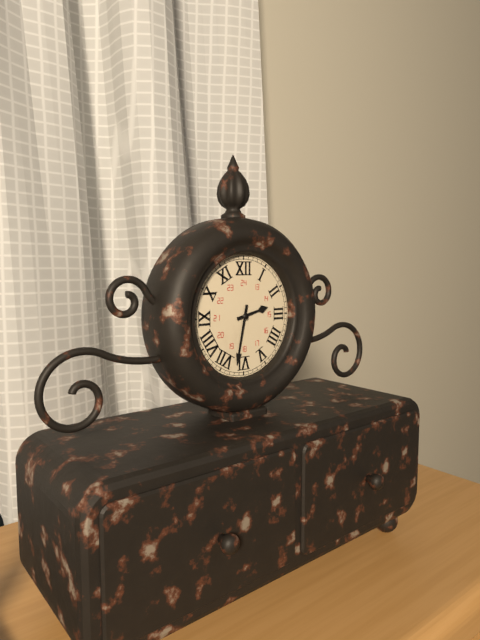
2:32
